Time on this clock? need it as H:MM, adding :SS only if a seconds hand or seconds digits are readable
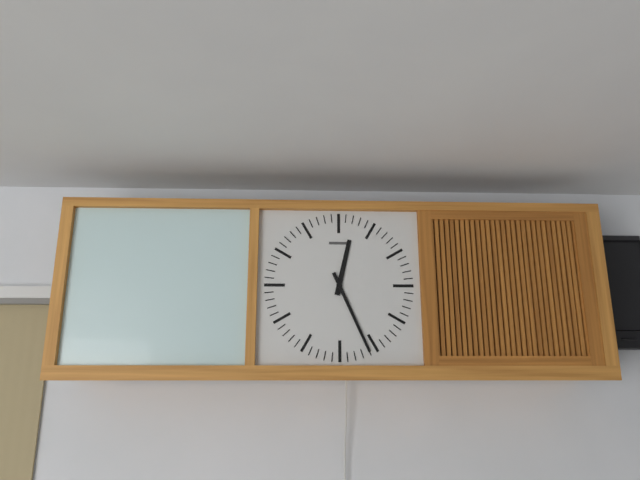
12:26
